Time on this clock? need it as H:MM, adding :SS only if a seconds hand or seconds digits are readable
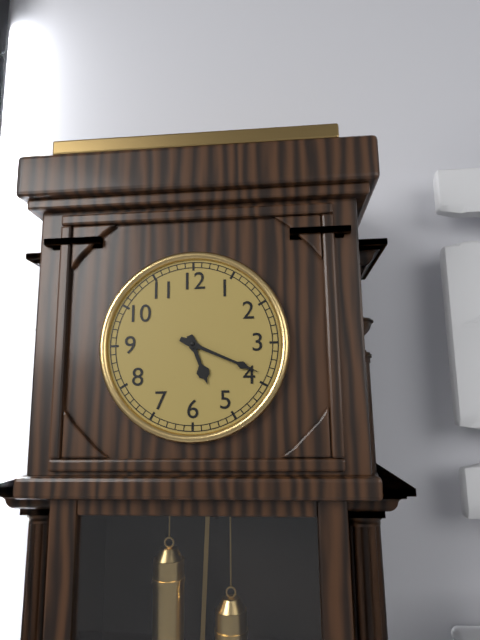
5:19
